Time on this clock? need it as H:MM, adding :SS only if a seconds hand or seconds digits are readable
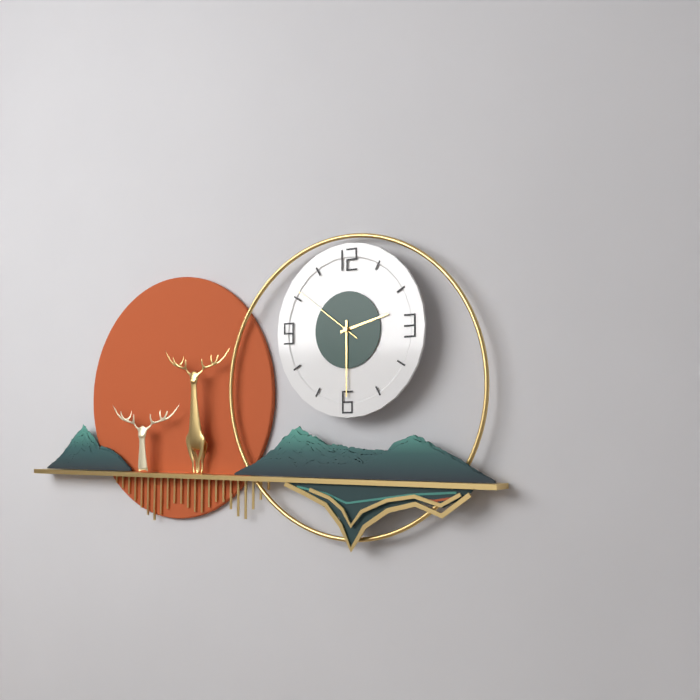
2:30:51
